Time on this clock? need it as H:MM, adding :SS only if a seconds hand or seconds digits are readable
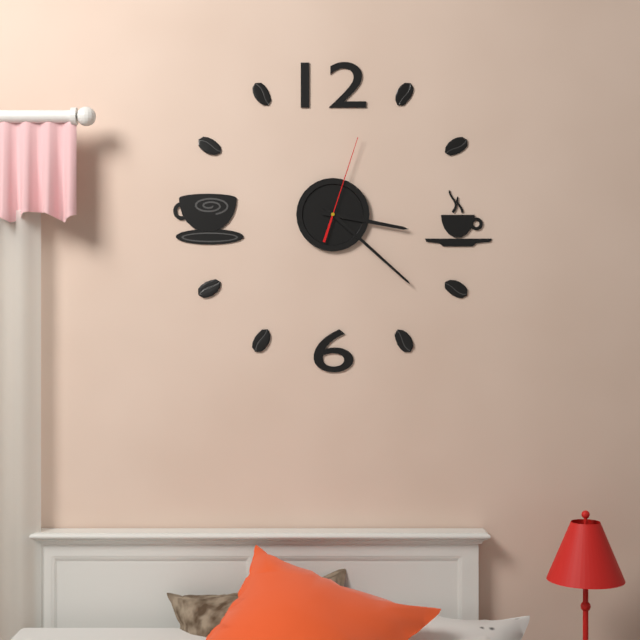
3:22:03
